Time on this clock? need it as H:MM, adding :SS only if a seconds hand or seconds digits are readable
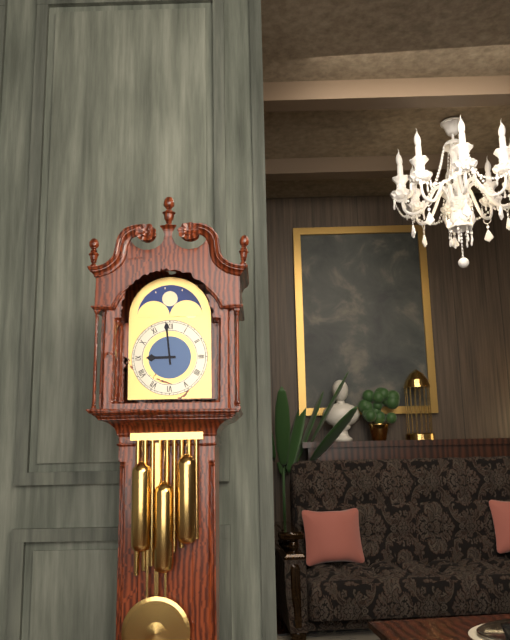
8:59
